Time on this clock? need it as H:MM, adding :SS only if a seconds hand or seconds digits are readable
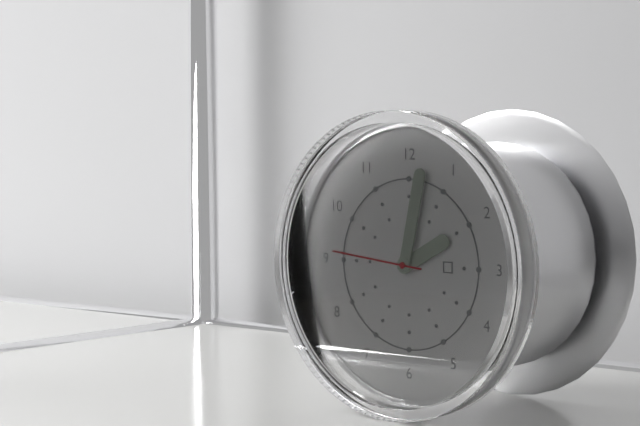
2:02:46
